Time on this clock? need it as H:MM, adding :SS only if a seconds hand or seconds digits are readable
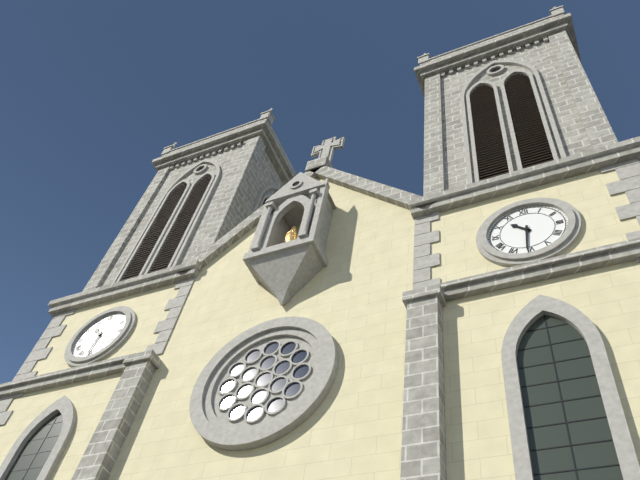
10:31
